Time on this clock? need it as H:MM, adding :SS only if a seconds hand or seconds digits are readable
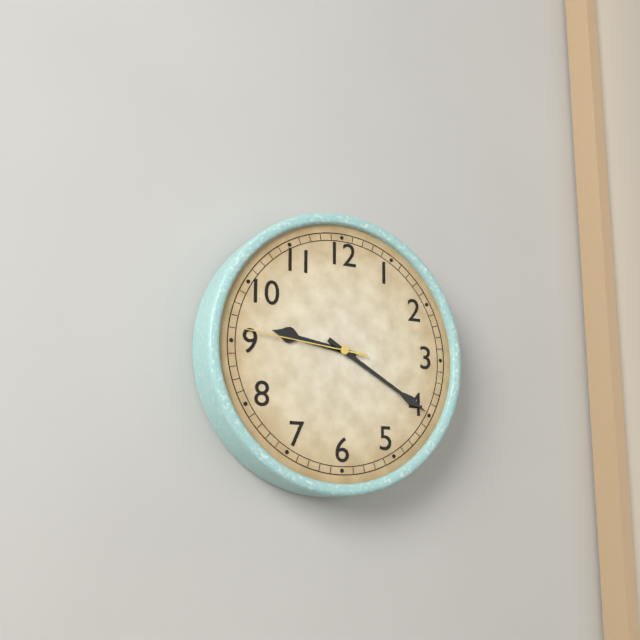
9:20:46
